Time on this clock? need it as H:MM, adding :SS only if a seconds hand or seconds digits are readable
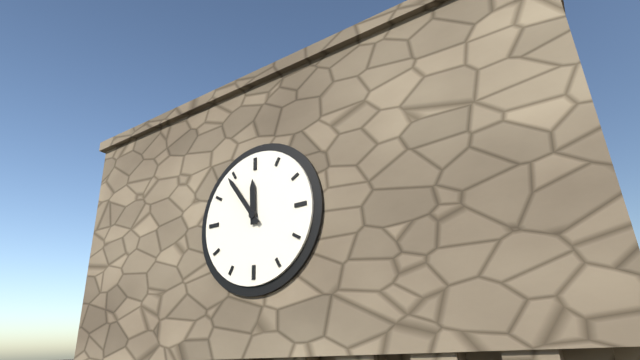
11:54
